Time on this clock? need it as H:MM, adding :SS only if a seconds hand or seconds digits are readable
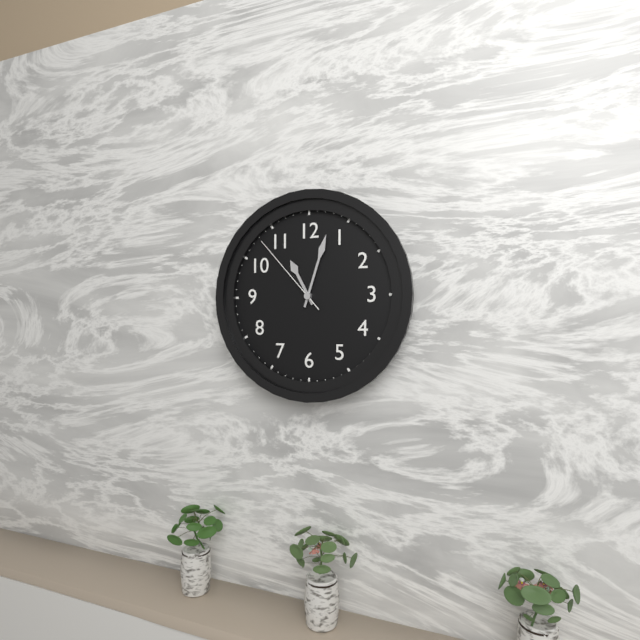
11:03:53
